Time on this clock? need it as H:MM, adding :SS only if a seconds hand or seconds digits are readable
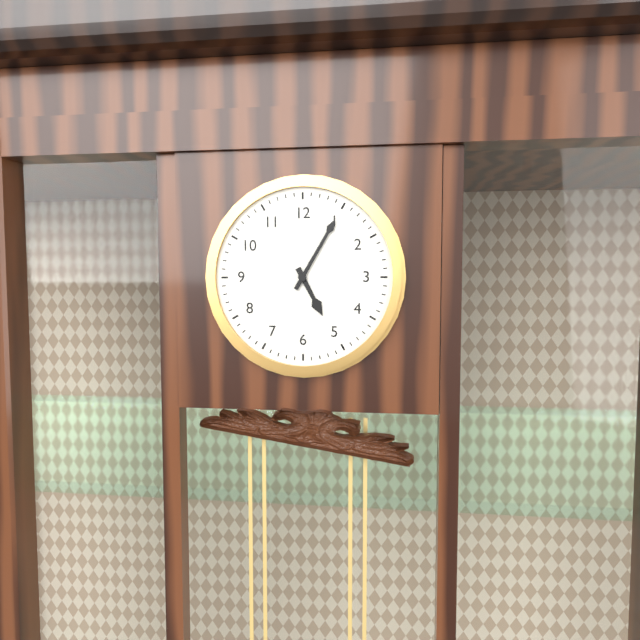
5:05
